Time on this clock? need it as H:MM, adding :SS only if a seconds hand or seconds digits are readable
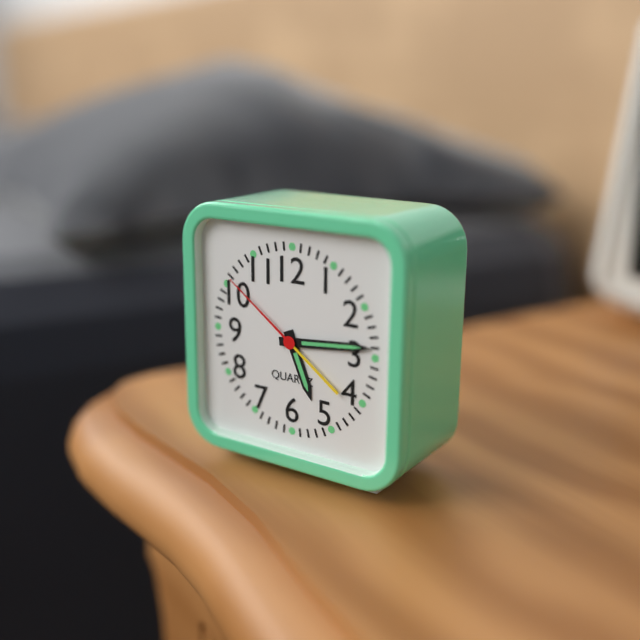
5:14:51
